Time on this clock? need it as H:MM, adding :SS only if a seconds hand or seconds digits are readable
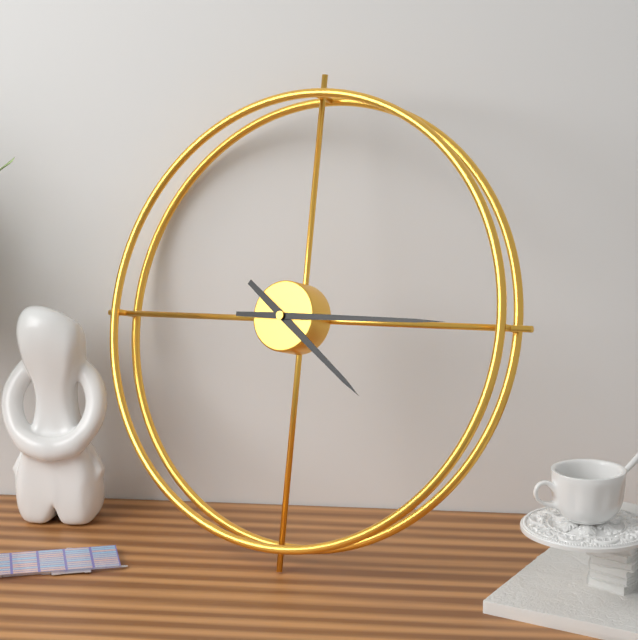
4:15
